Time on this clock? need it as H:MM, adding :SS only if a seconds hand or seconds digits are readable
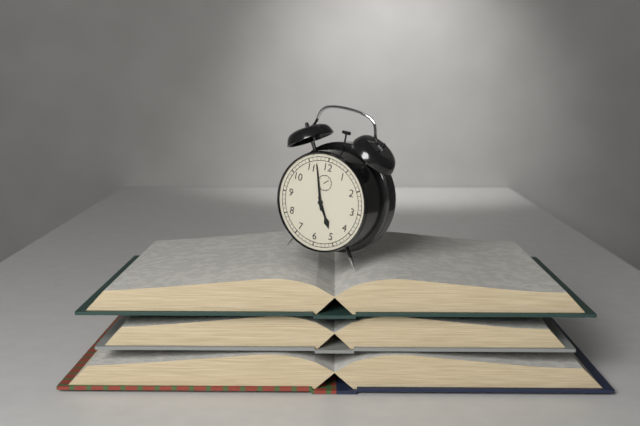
4:57
